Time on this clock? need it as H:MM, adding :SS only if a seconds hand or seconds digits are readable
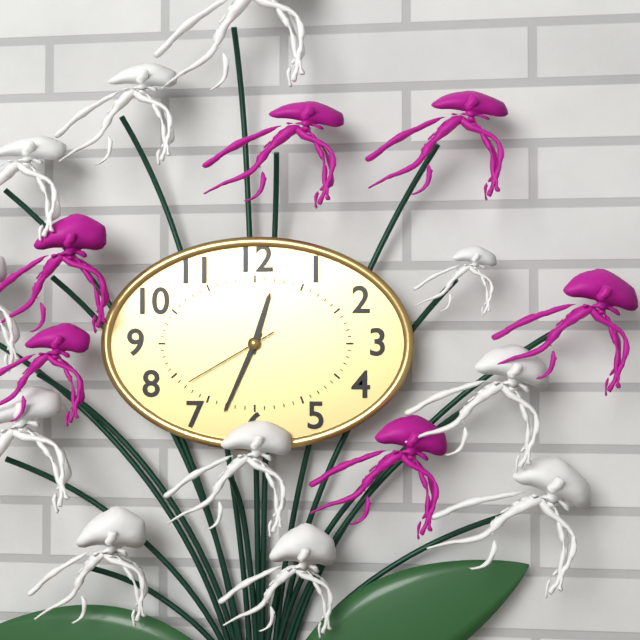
12:34:40
